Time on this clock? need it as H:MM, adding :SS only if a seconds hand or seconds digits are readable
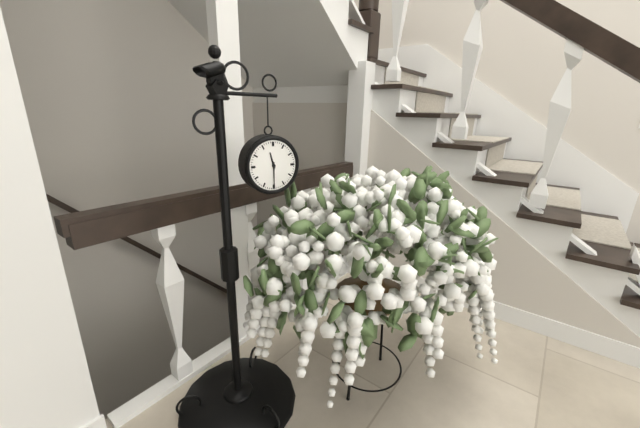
11:30
